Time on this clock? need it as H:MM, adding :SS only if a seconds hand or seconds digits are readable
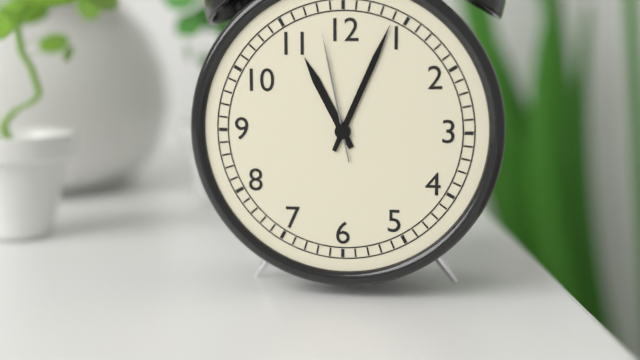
11:04:58
